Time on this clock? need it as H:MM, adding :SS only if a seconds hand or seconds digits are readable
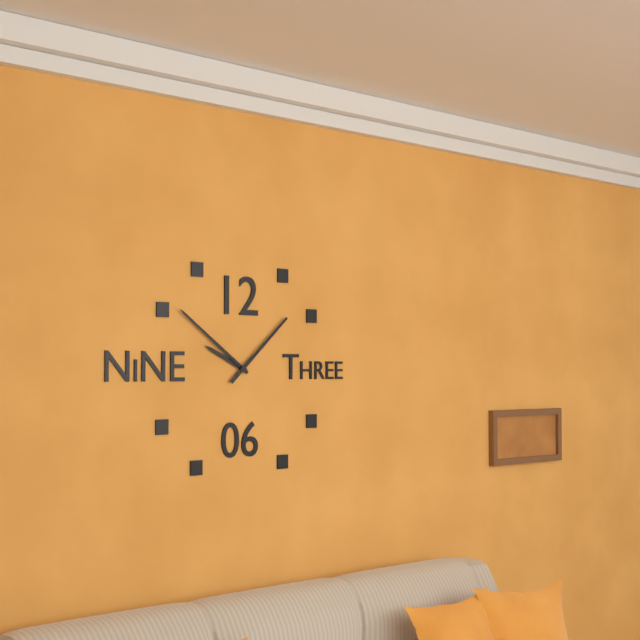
9:51:08
